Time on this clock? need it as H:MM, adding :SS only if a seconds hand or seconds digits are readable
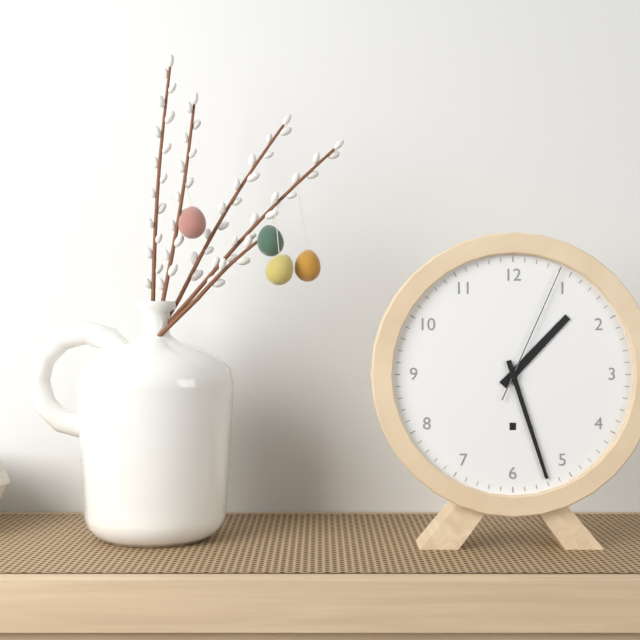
1:27:04
